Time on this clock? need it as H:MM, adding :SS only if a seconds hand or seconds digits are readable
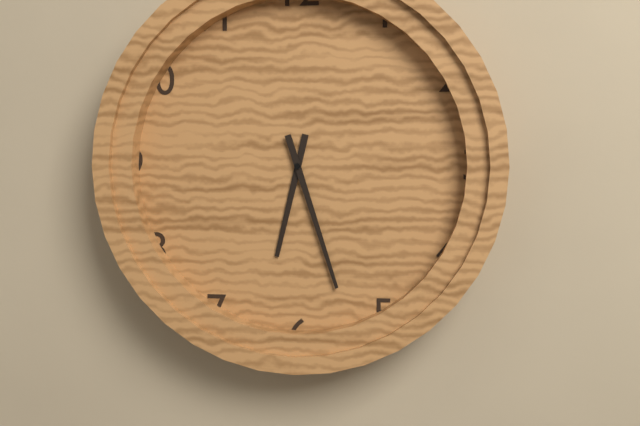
6:27
